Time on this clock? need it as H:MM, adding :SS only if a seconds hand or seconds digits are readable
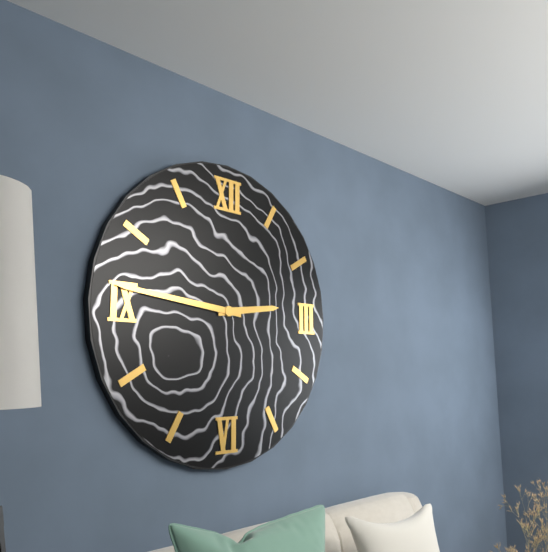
2:46
